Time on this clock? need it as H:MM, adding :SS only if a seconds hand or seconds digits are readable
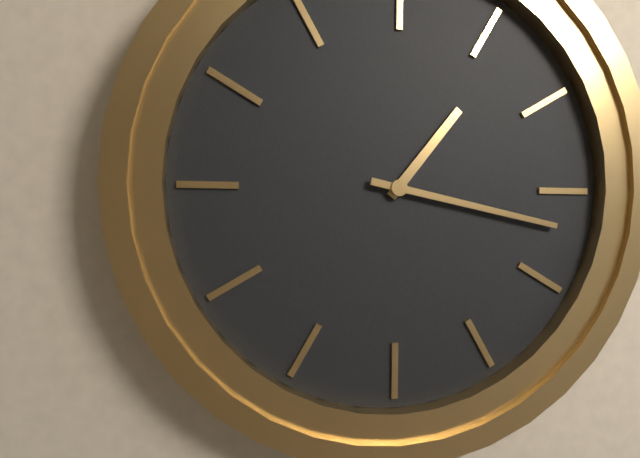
1:17
